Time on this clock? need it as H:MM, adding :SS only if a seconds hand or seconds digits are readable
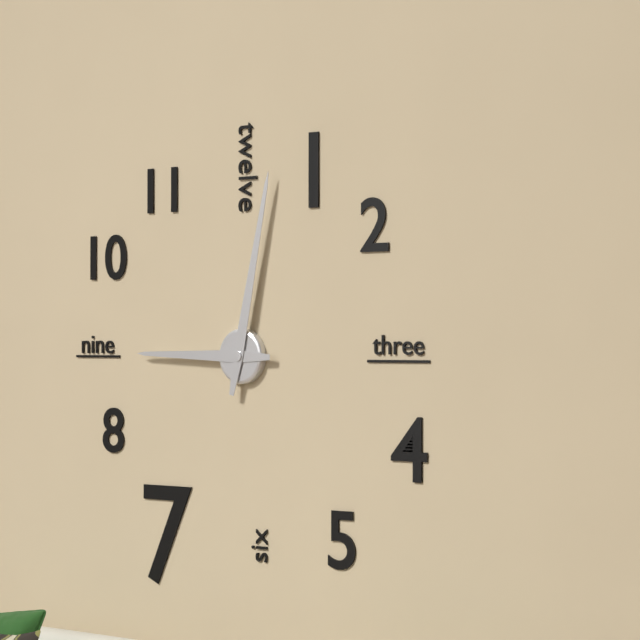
9:02
